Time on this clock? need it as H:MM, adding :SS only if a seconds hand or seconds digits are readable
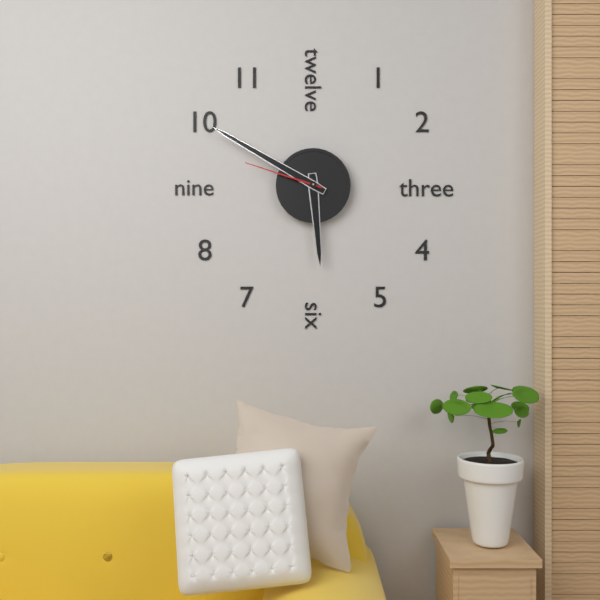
5:50:48
